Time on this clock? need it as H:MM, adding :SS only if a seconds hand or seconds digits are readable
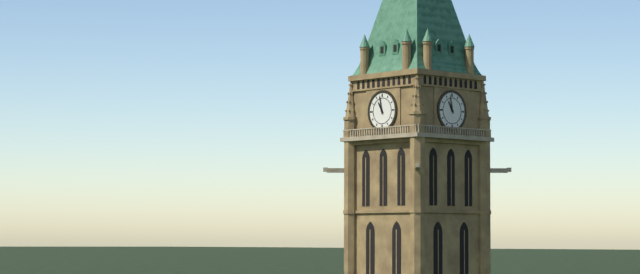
10:58
